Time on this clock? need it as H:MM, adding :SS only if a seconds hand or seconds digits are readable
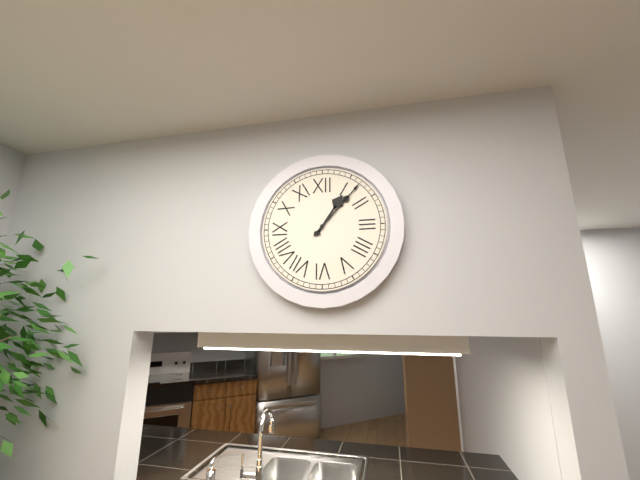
1:07
